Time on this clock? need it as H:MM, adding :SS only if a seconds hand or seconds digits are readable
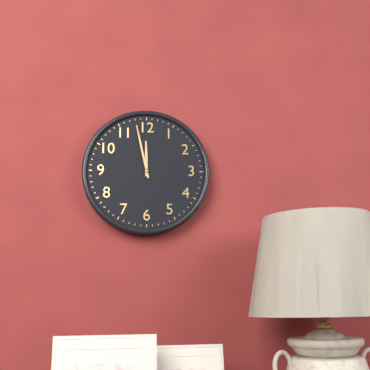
11:58
